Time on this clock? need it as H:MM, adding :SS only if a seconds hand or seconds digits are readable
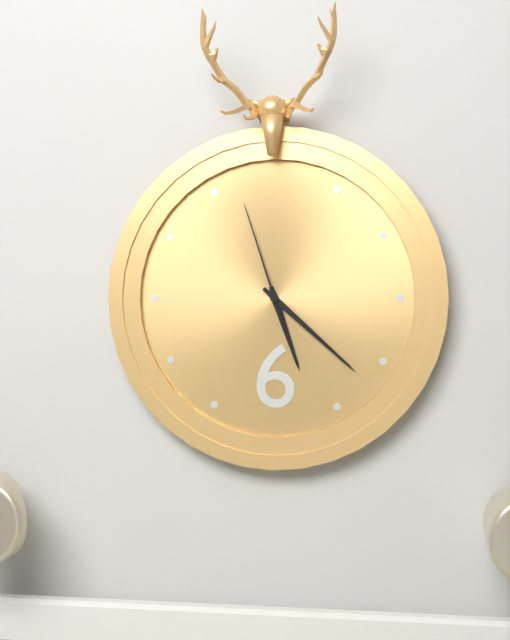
5:22:57
